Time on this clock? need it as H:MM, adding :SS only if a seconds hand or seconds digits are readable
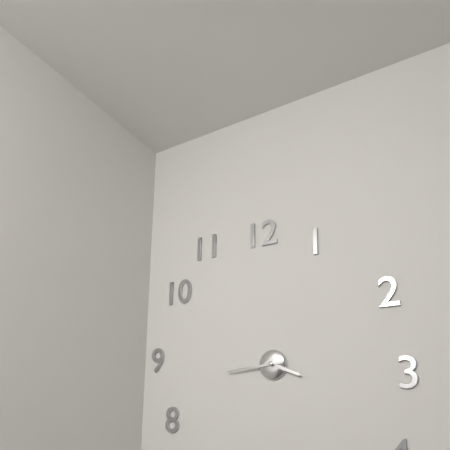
3:44
